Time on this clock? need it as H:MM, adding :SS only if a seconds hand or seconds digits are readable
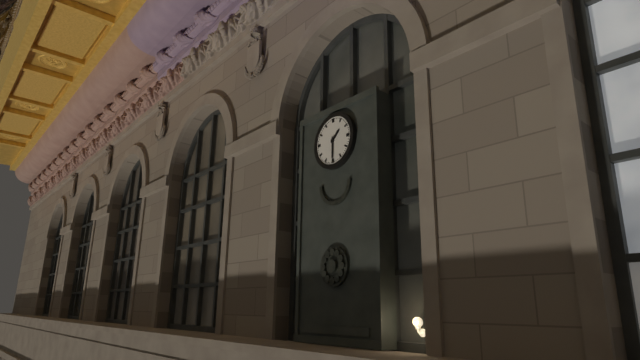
1:30
